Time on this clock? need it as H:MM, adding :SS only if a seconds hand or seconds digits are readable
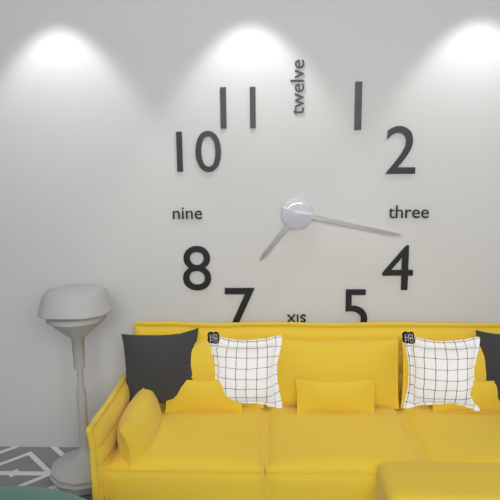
7:17
